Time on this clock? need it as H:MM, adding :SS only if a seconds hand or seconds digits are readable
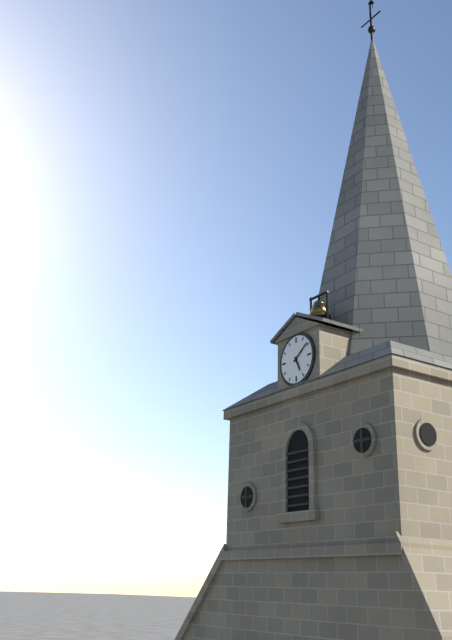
5:09
